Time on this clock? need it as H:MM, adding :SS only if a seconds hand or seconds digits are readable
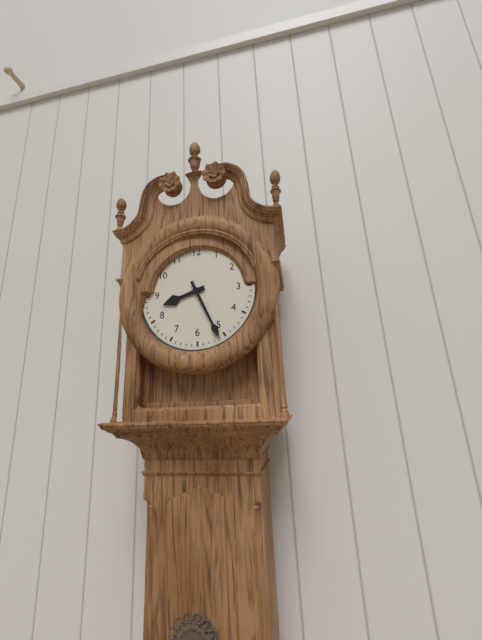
8:26
